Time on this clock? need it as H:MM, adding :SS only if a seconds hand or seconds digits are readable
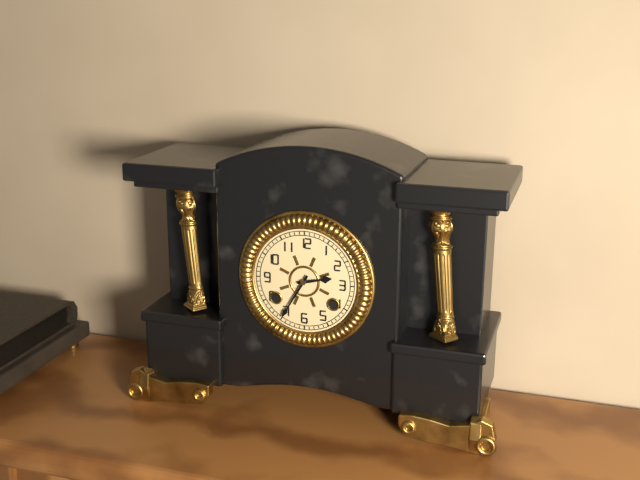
2:35
